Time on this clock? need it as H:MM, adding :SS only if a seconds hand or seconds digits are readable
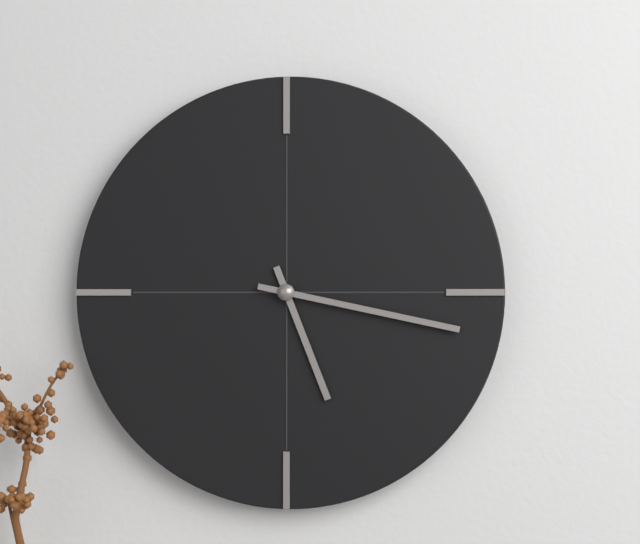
5:17
